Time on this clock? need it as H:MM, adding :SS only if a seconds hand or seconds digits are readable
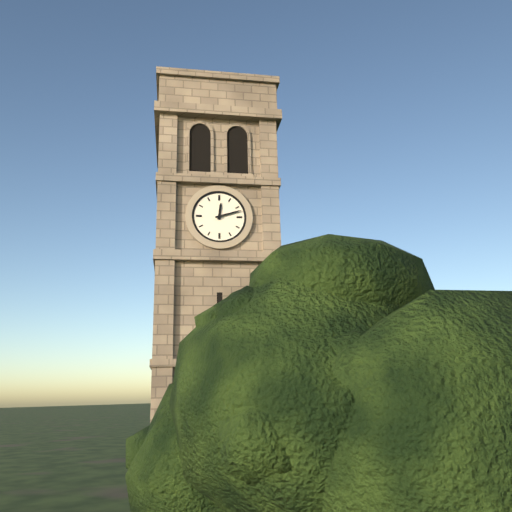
12:12
